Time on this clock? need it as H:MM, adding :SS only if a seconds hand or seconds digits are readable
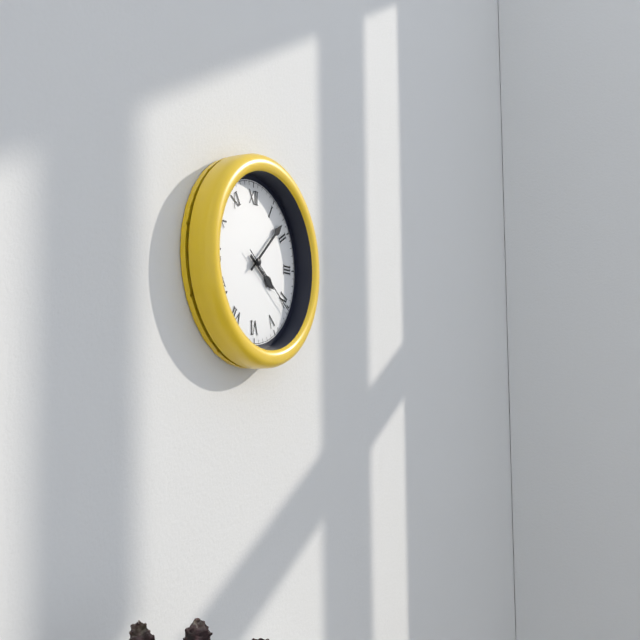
4:08:21
